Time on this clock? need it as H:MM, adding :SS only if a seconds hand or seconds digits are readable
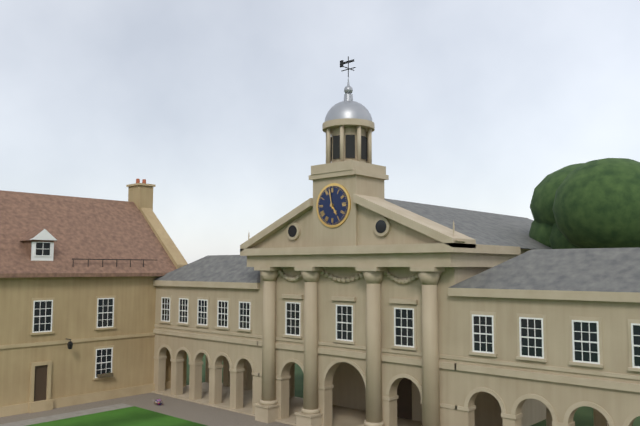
4:58
